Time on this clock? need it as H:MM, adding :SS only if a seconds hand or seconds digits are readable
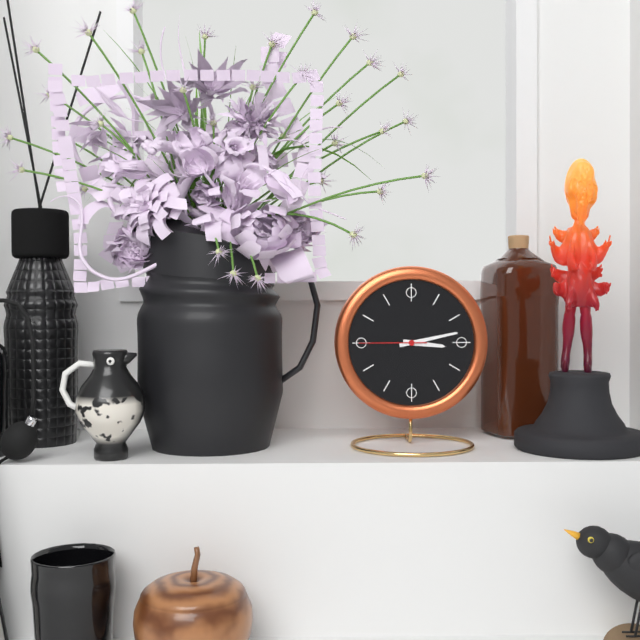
3:13:45
